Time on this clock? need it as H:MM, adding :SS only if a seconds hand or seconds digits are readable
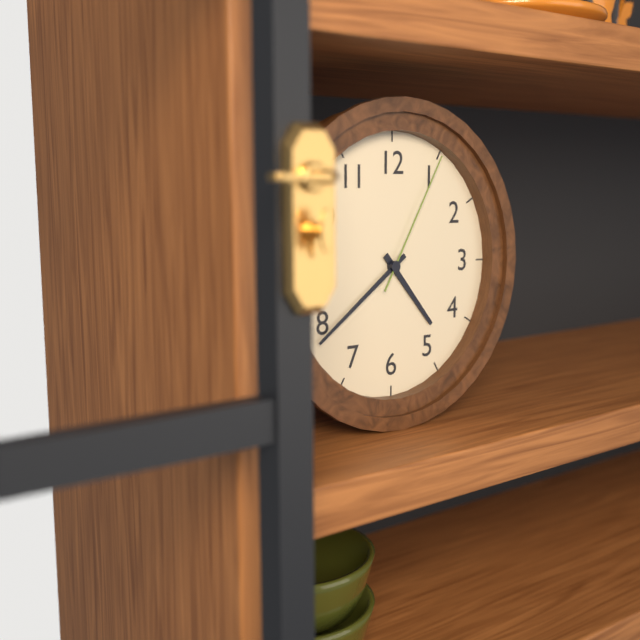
4:39:05
